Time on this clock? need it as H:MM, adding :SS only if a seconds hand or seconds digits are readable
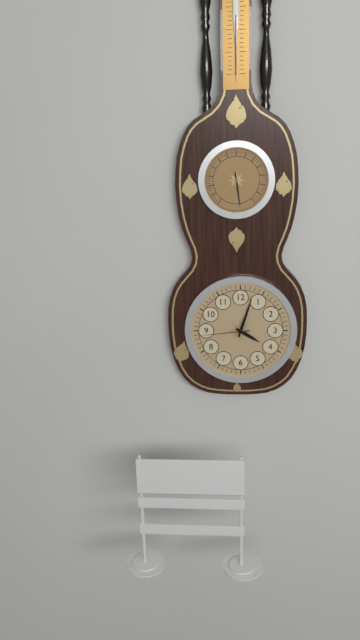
4:03
